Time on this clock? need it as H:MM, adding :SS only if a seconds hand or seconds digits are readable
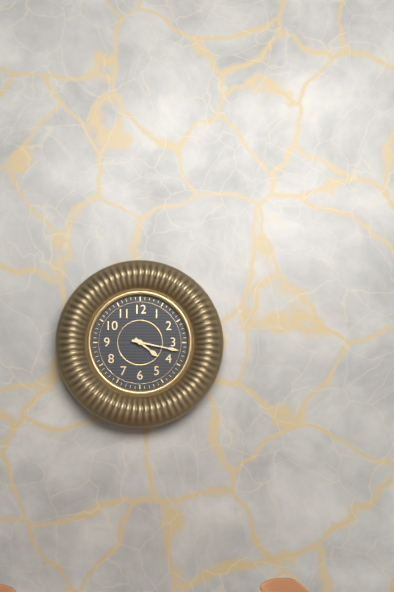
4:17
